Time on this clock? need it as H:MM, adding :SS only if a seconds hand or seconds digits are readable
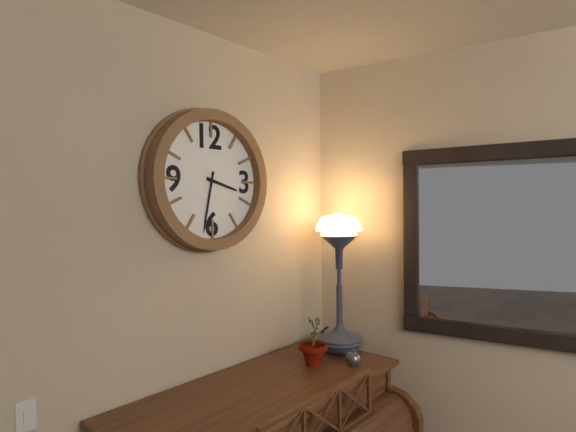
3:32
